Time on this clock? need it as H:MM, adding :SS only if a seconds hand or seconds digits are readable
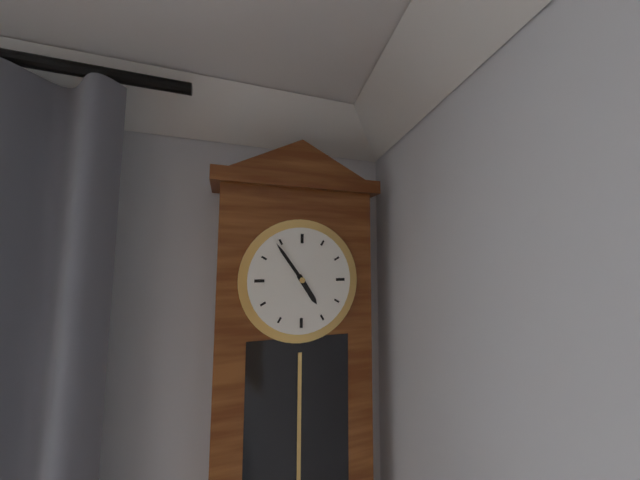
4:54
